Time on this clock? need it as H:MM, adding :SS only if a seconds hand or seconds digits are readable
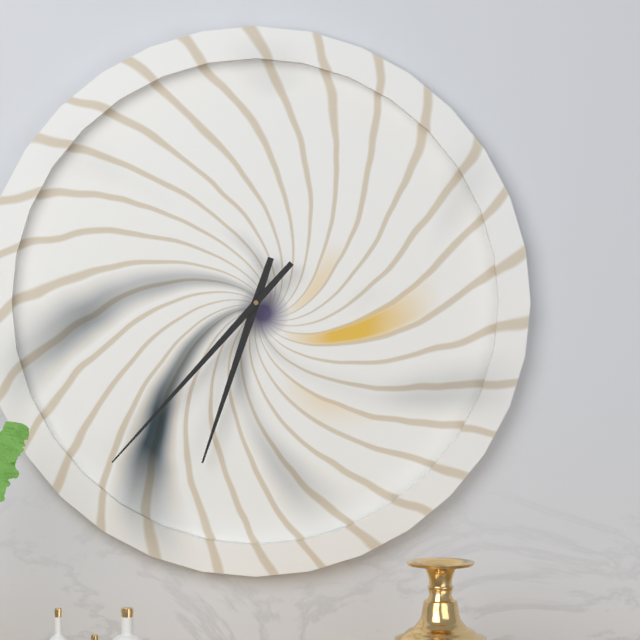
6:37
